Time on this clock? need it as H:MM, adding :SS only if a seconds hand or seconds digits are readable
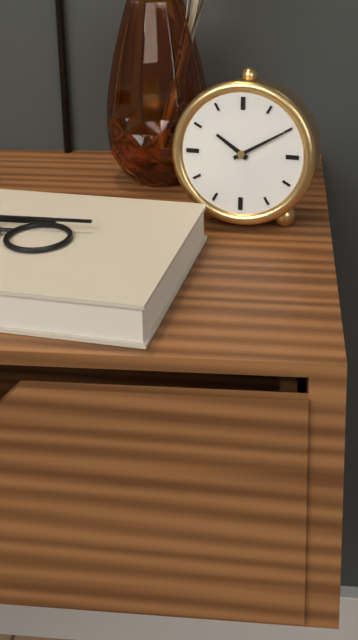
10:10
